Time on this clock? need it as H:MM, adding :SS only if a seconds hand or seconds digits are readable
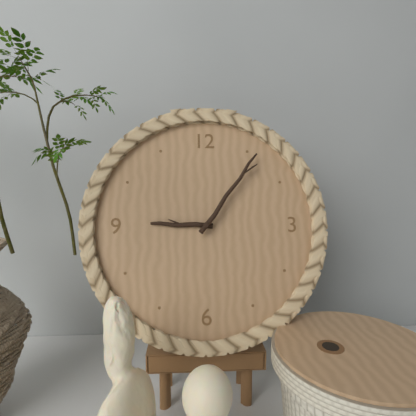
9:06
